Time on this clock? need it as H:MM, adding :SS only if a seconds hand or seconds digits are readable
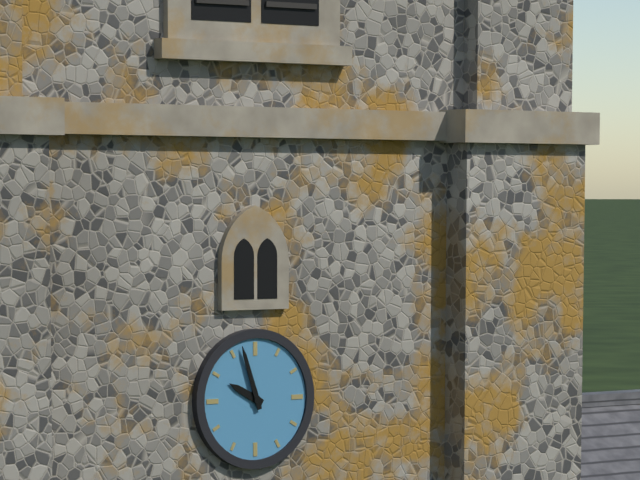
9:57
